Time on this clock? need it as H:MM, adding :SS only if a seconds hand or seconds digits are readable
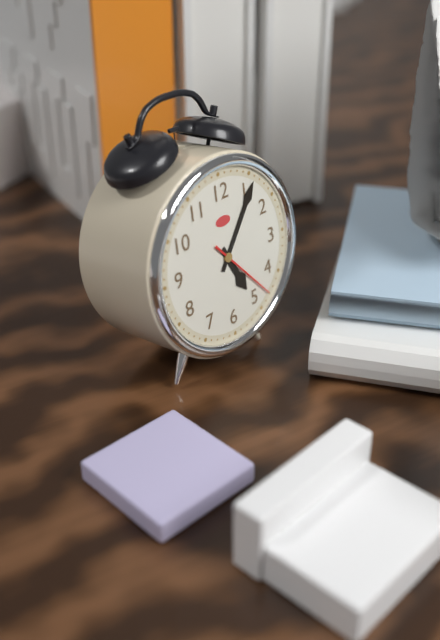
5:06:23
